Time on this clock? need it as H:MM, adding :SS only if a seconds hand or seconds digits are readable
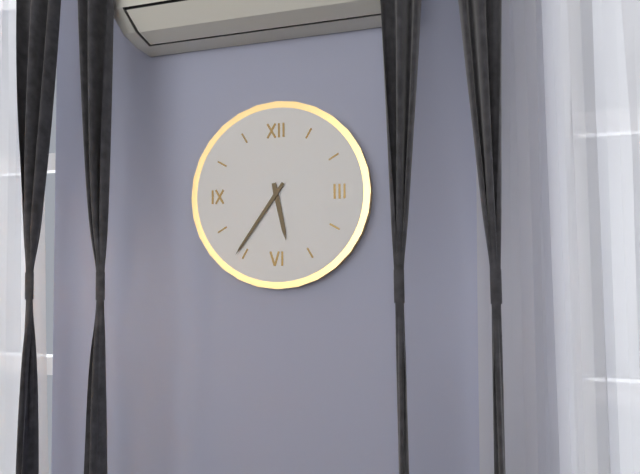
5:36
